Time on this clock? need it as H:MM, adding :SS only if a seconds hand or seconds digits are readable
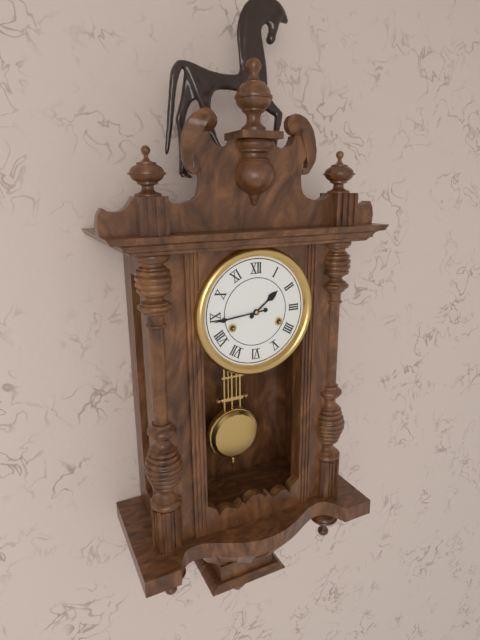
1:44
